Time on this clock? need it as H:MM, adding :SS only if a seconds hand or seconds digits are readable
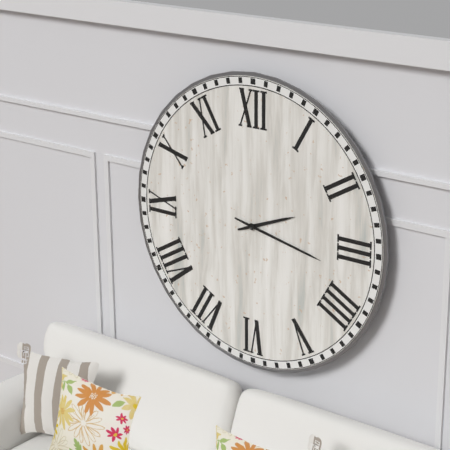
2:17
